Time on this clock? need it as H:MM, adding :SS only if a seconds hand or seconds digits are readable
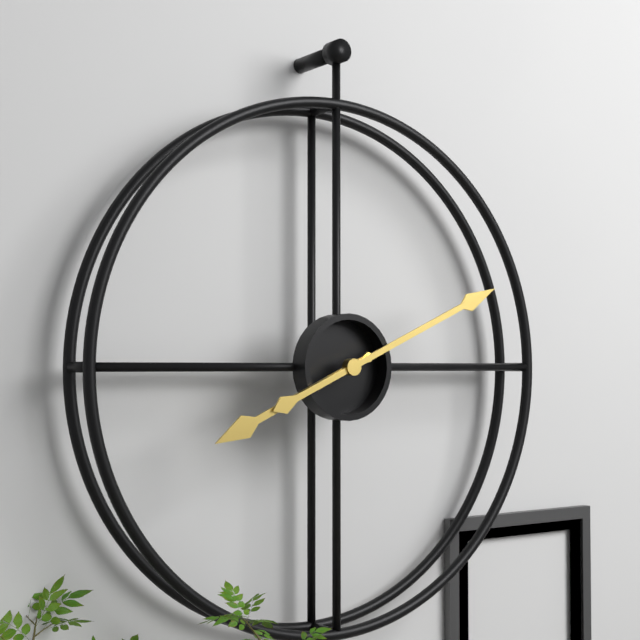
8:11
